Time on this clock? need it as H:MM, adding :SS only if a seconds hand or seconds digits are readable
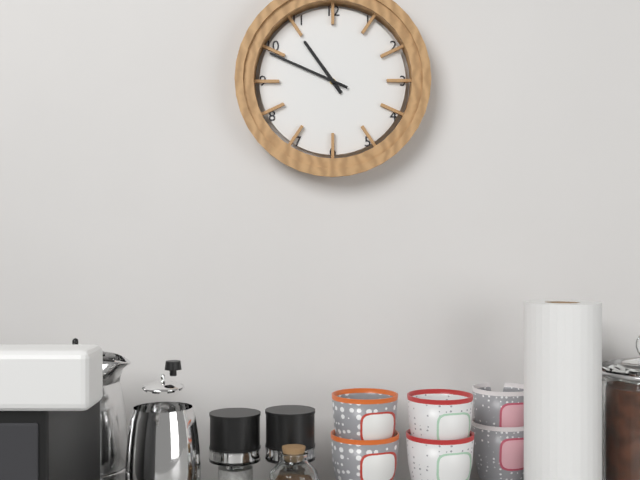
10:49
